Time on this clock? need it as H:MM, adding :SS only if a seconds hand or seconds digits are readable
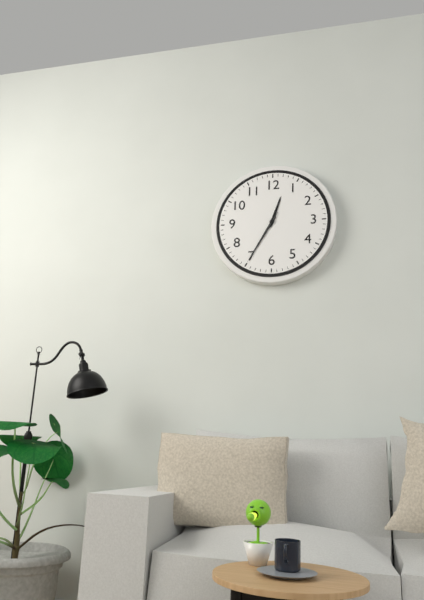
12:35:35
